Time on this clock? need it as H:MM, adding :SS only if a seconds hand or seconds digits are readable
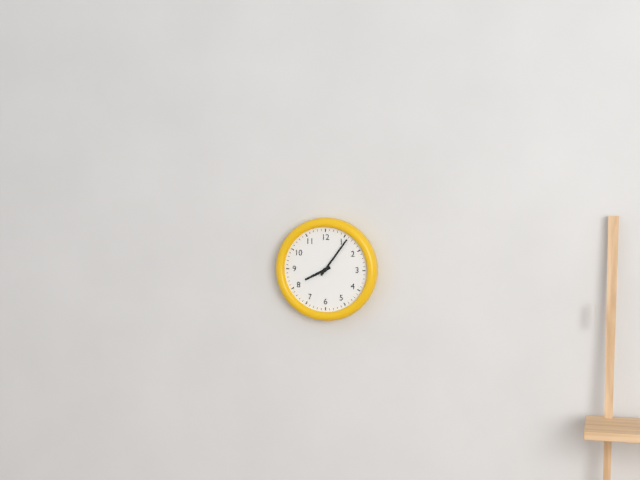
8:06
